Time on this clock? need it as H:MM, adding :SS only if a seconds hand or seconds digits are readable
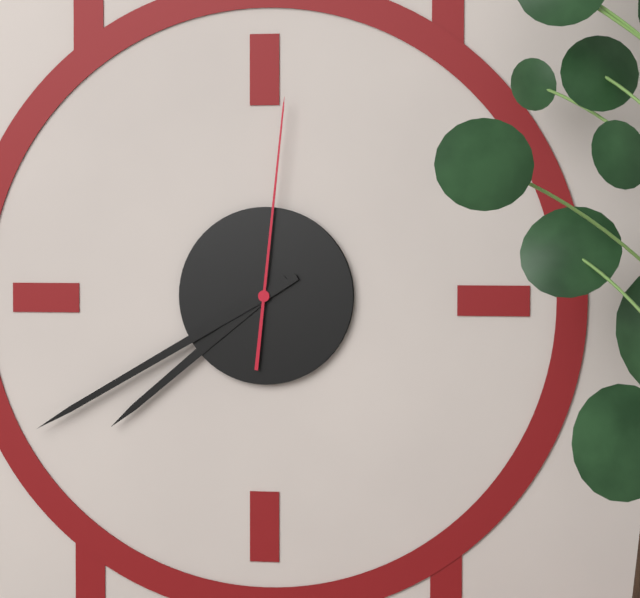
7:40:01
